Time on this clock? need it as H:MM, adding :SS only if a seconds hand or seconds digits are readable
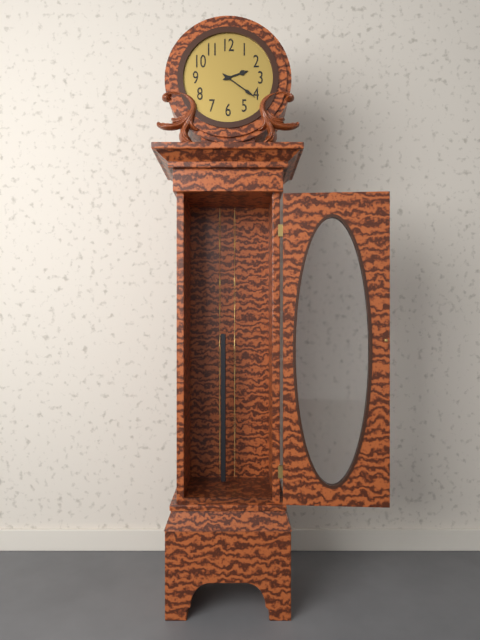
2:21
